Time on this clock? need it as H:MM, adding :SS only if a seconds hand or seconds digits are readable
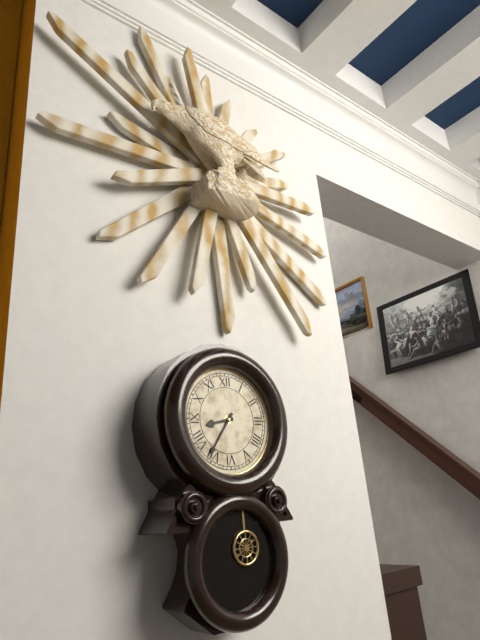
8:36
